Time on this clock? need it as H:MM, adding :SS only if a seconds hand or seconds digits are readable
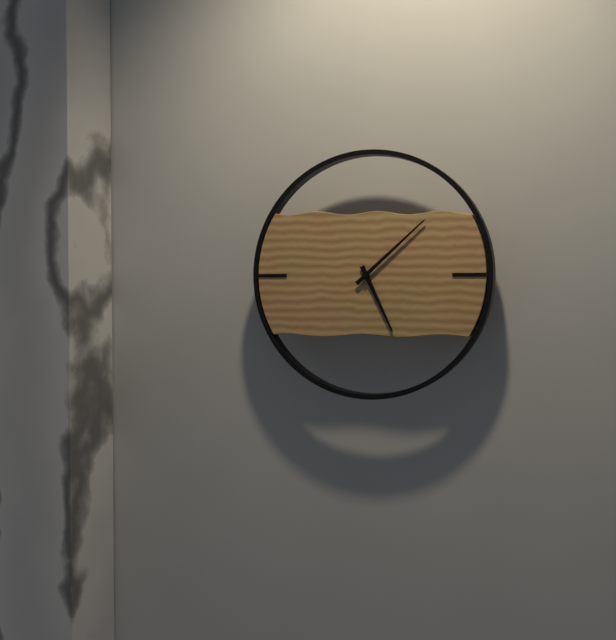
5:08
